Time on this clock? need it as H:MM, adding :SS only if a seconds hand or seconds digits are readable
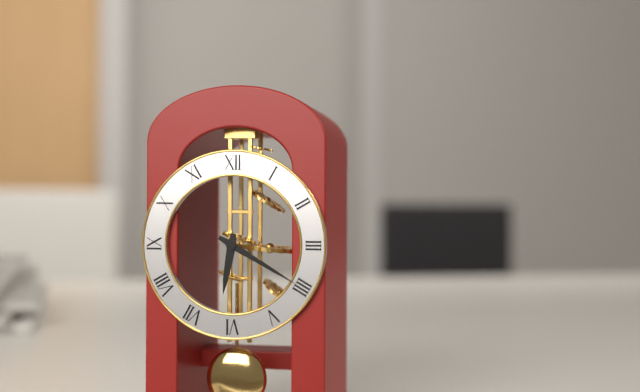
6:20
